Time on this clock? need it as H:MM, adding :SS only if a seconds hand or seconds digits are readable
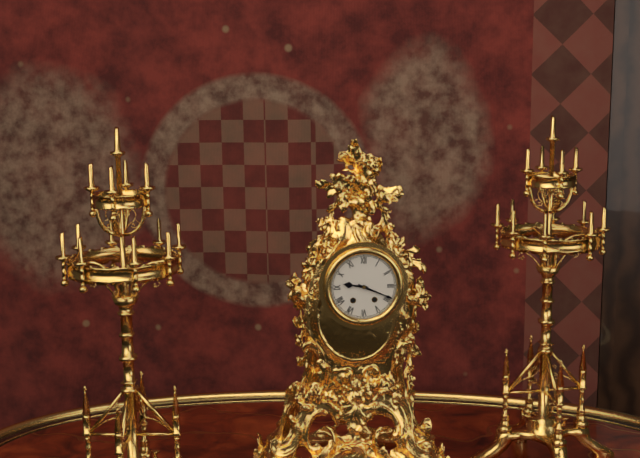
9:19
